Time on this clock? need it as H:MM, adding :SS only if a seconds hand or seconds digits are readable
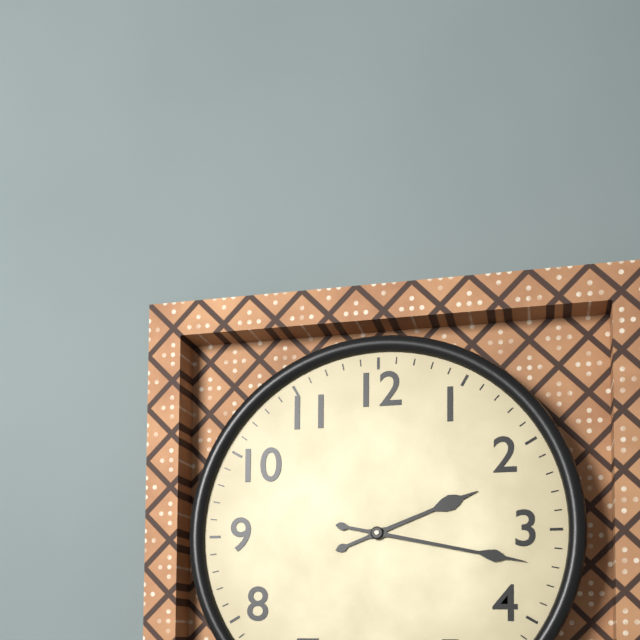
2:17
